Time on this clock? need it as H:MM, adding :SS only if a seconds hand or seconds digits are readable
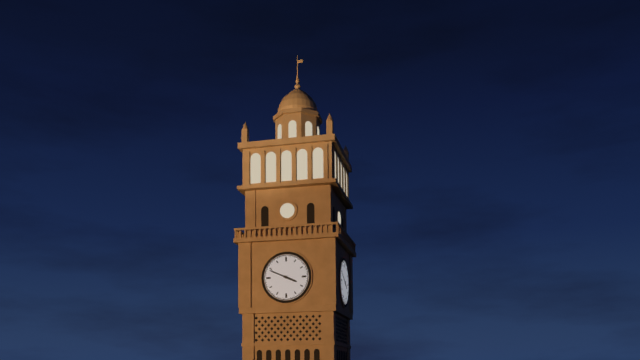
3:49
